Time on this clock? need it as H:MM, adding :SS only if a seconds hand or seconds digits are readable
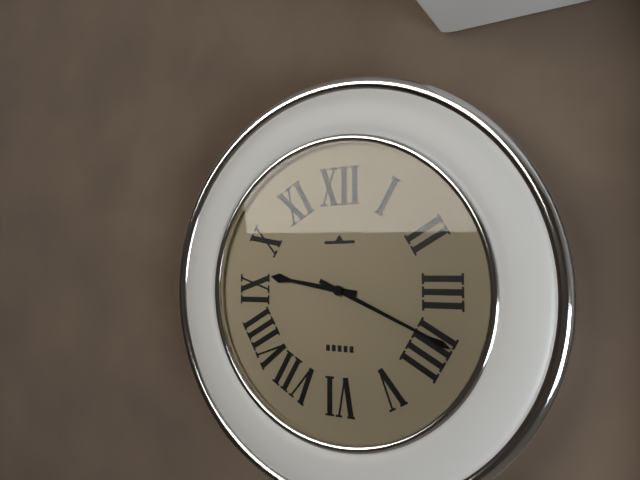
9:19
